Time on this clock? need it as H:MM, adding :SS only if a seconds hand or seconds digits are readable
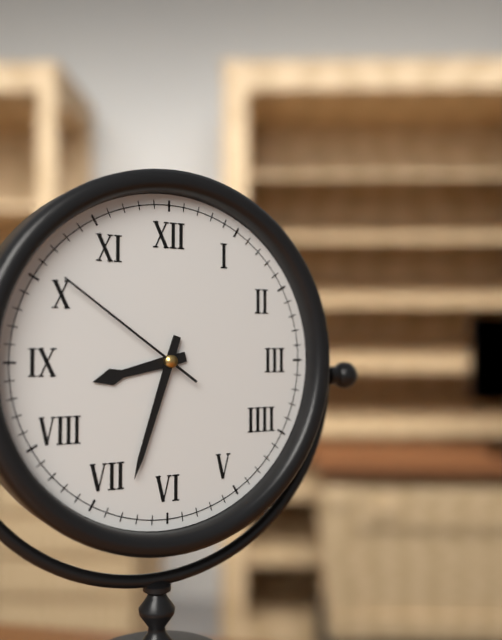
8:33:51
